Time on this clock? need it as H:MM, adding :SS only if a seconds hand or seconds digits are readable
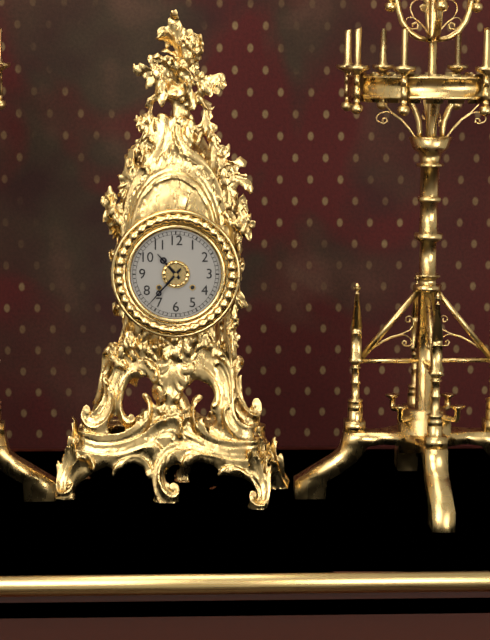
10:37
